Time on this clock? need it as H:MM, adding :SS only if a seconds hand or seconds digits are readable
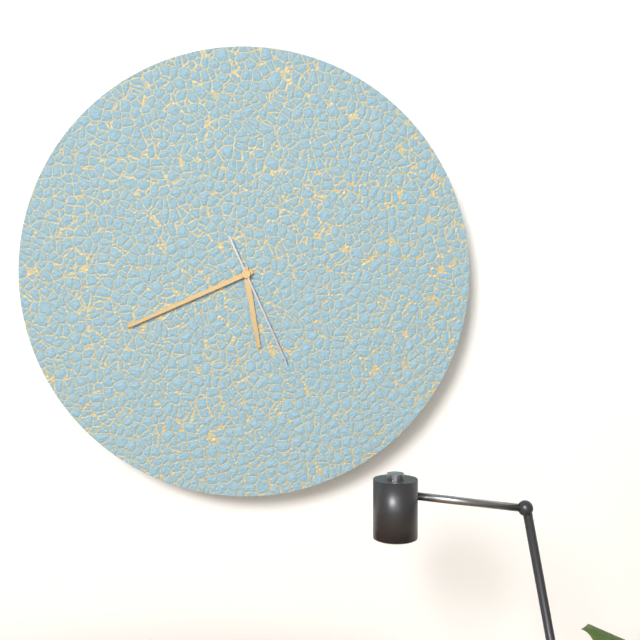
5:41:26
